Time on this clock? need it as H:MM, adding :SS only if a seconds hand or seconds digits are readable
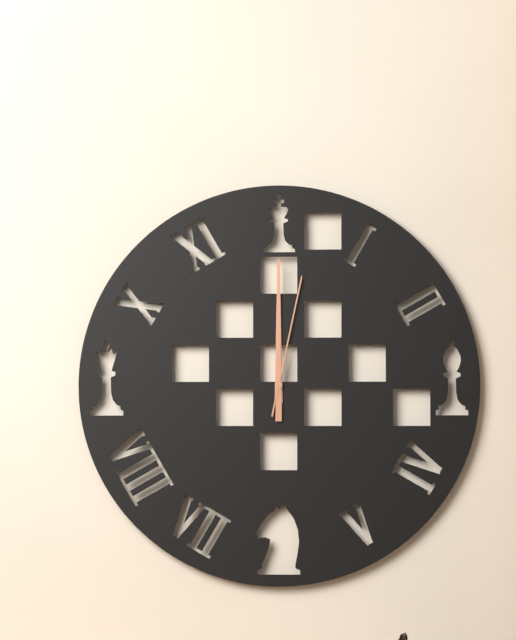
12:00:02
